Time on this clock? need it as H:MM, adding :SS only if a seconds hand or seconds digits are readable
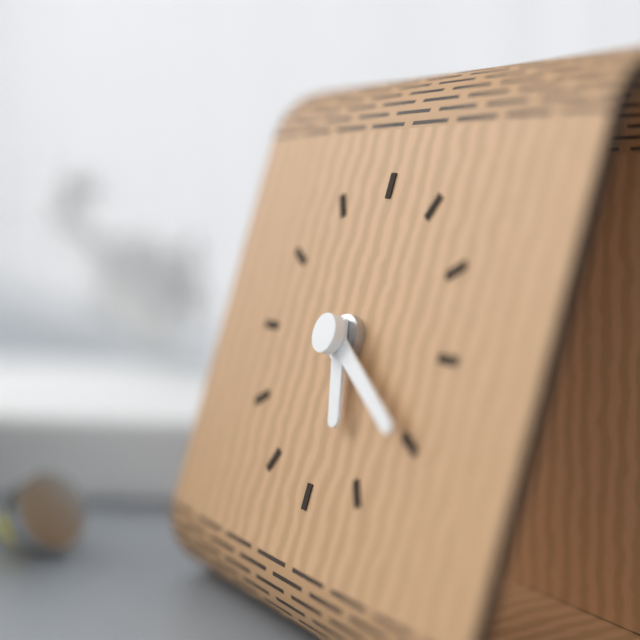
5:20
